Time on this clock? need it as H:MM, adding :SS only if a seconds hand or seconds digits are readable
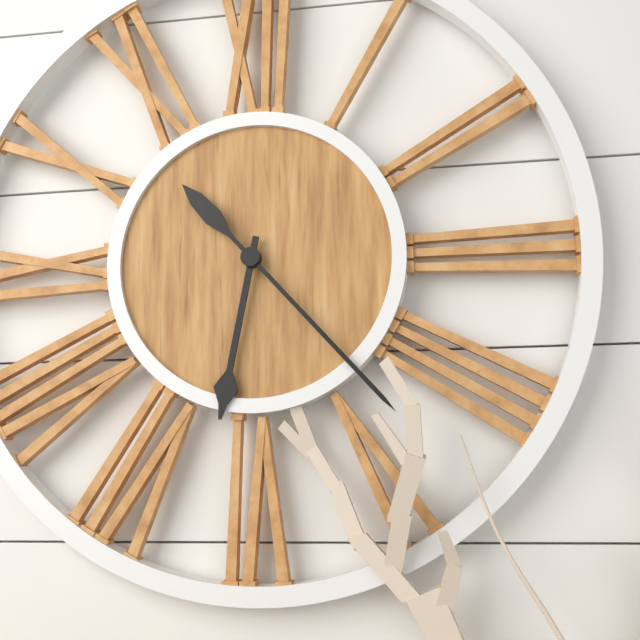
6:23
